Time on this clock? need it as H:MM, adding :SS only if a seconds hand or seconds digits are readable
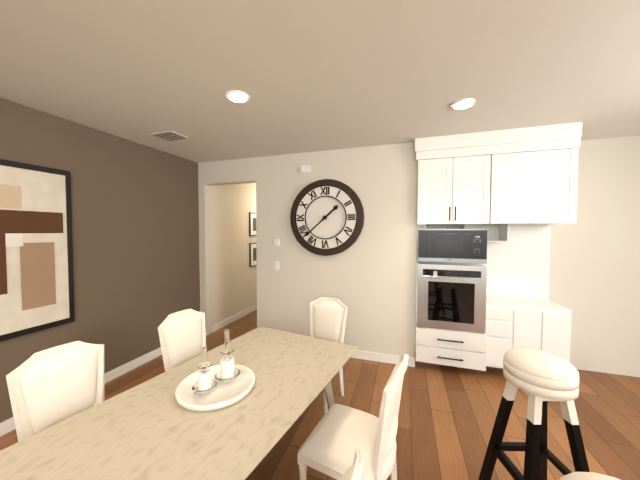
1:38
